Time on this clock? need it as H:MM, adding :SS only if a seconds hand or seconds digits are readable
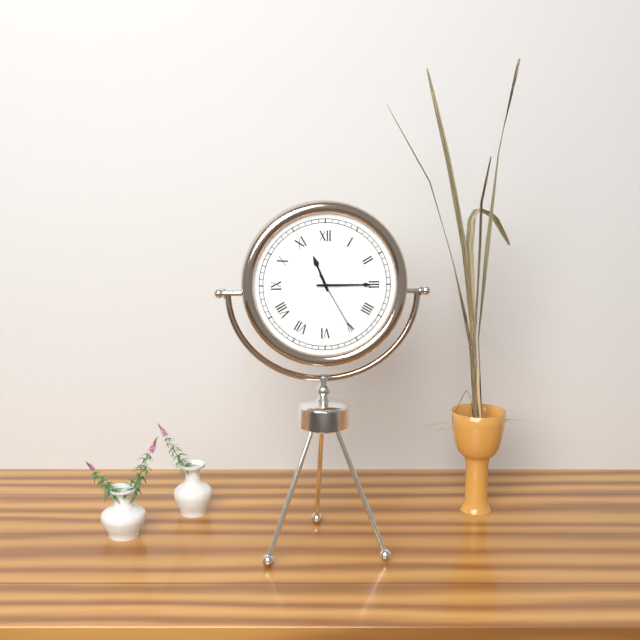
11:15:25
